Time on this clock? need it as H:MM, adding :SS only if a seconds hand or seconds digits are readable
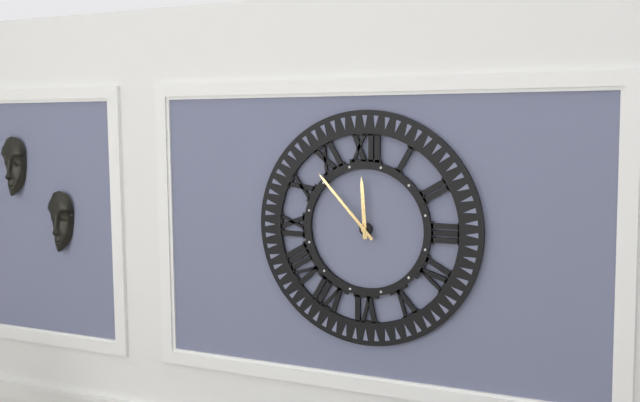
11:53
